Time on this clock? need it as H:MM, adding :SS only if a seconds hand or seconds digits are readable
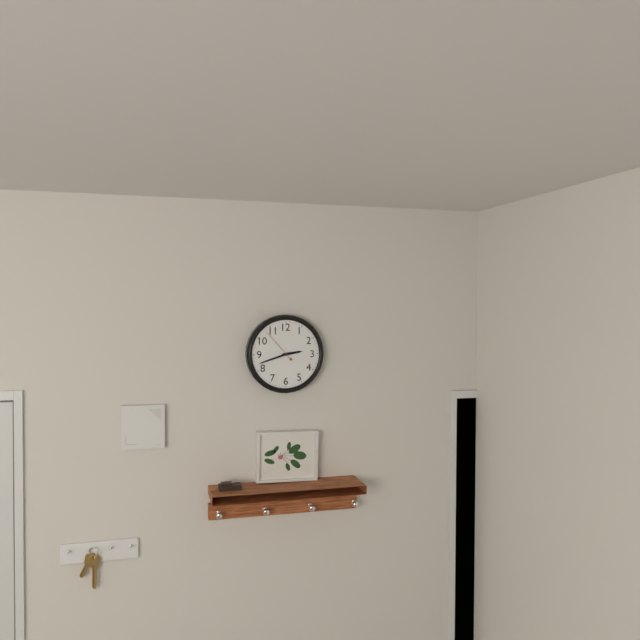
2:42
